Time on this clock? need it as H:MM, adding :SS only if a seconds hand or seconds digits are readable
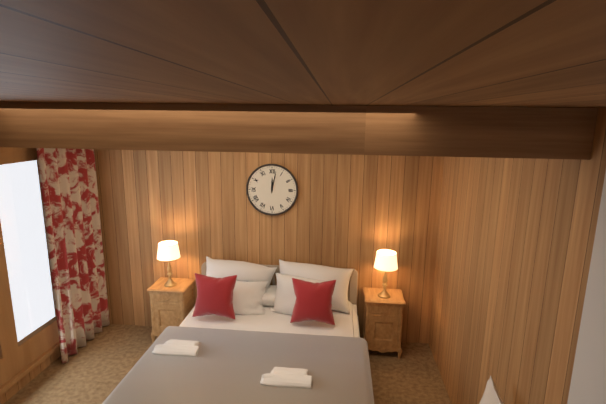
12:02
